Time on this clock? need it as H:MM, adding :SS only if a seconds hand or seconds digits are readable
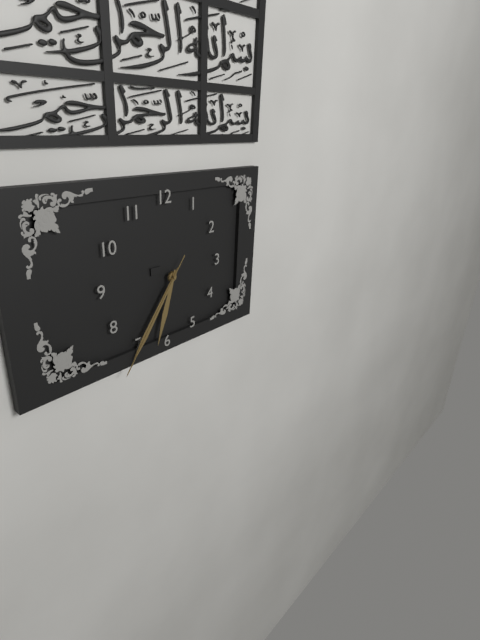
6:36:36
